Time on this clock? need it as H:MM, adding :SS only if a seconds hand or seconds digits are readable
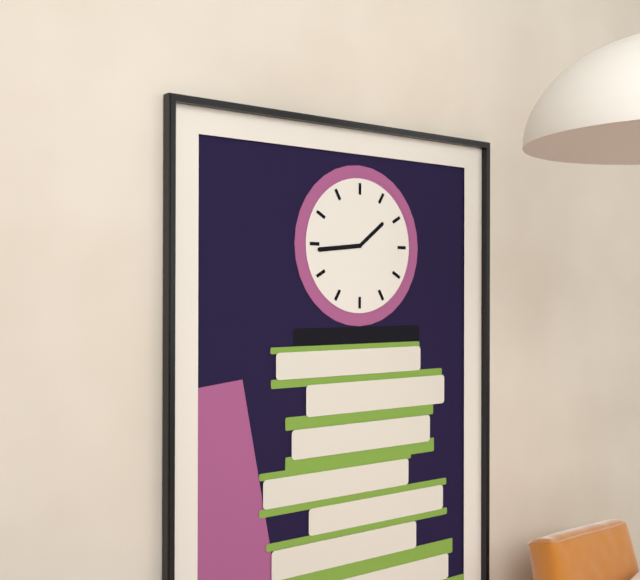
1:44
